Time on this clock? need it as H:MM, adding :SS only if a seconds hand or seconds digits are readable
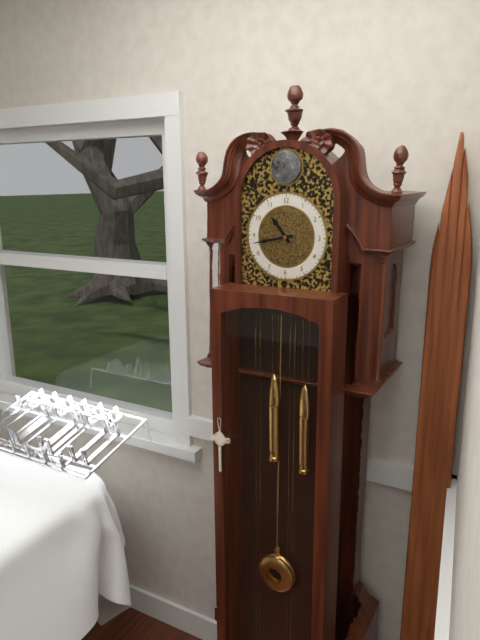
10:43
